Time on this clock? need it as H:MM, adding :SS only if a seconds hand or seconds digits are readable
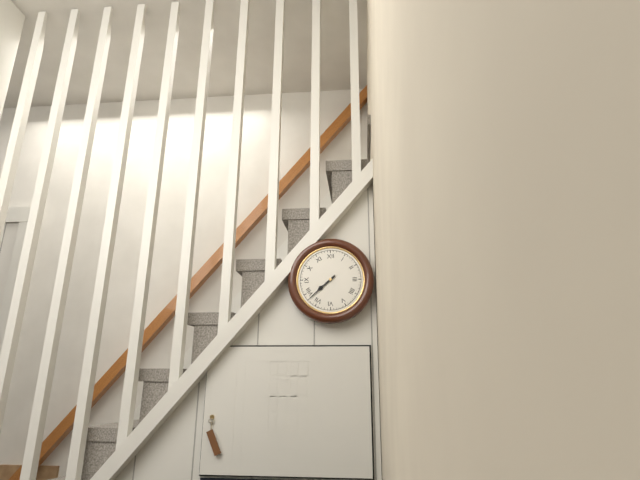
7:38
